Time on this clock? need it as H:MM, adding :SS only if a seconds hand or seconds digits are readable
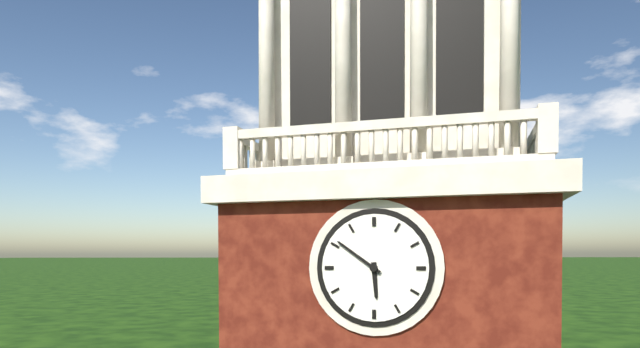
5:51
